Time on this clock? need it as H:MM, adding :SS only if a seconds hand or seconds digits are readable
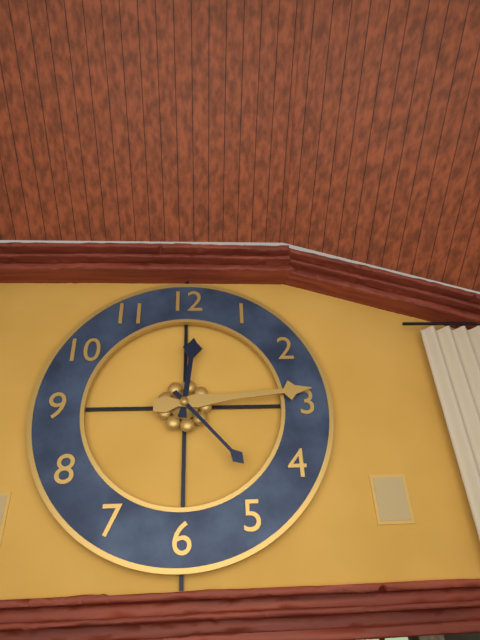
12:14:23
